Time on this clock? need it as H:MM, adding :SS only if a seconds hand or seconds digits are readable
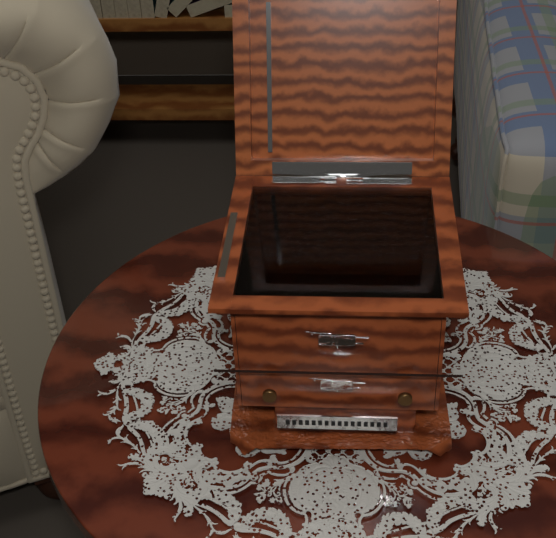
3:02
